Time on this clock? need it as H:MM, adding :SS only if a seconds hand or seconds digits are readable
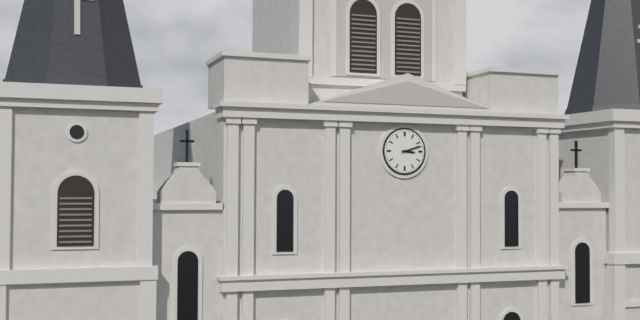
3:12
